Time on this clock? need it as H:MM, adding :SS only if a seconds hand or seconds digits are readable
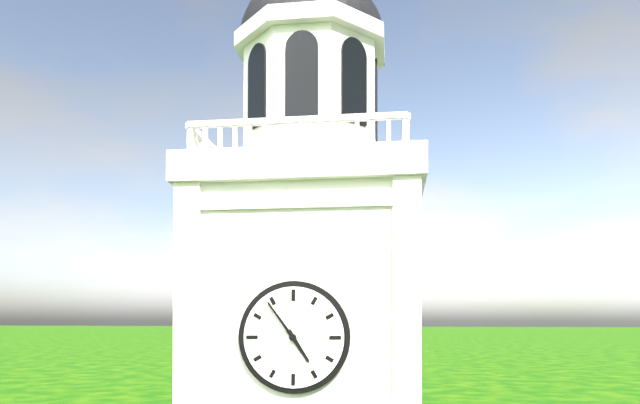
4:54
